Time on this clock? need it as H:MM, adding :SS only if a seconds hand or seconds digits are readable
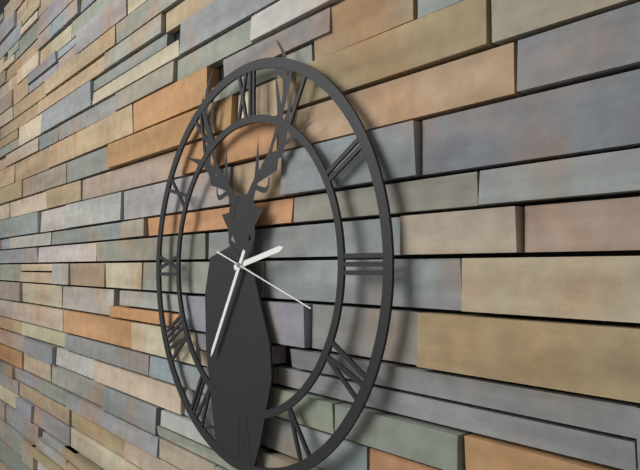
2:35:18
